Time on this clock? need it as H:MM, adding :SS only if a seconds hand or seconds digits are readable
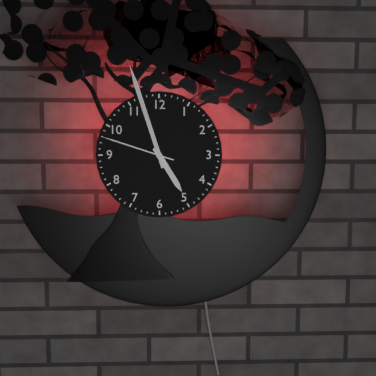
4:57:48
